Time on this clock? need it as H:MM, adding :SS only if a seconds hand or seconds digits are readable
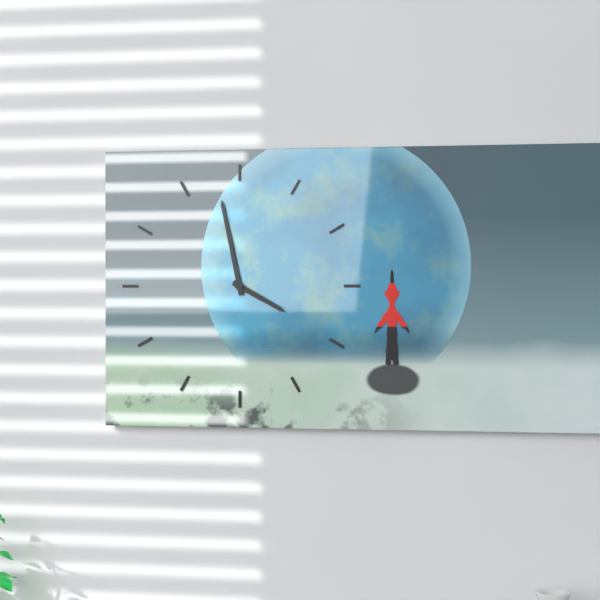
3:58
